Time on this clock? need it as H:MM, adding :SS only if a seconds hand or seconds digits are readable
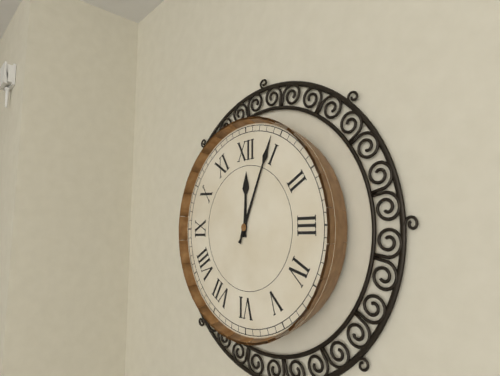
12:04
